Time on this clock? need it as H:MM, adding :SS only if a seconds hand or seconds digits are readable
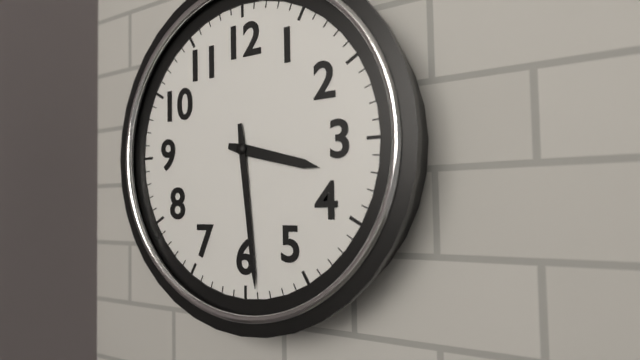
3:29
